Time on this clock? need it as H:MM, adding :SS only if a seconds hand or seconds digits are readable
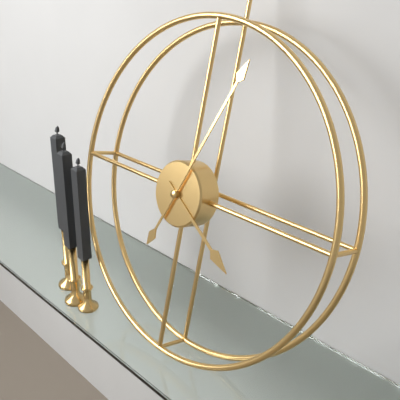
4:04
